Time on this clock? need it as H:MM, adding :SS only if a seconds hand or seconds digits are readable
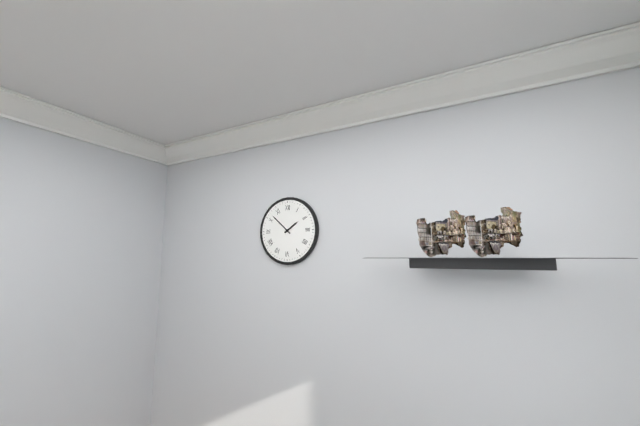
1:52
